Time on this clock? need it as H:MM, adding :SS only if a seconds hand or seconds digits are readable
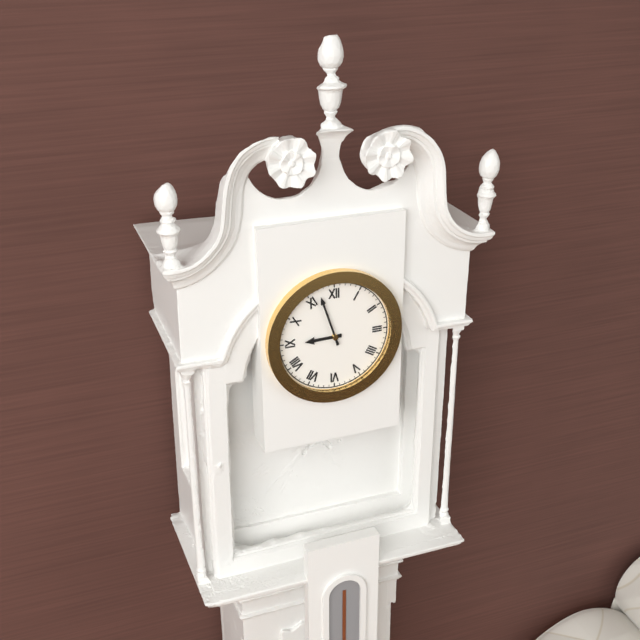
8:57
